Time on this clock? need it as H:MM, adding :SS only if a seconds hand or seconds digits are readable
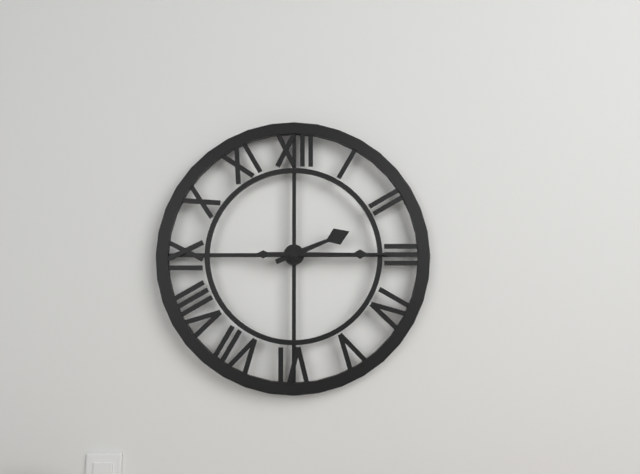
2:15
